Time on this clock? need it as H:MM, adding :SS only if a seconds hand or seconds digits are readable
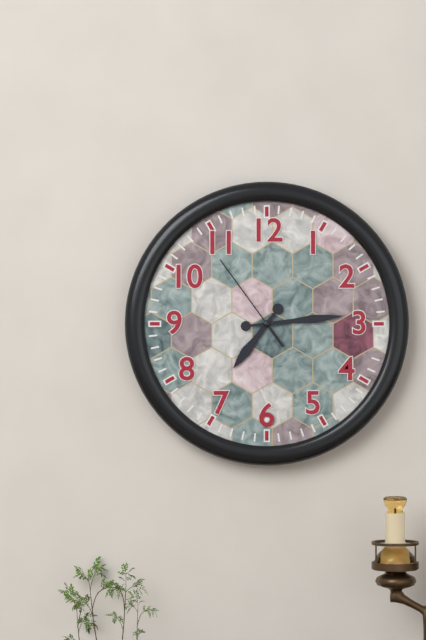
7:14:54
